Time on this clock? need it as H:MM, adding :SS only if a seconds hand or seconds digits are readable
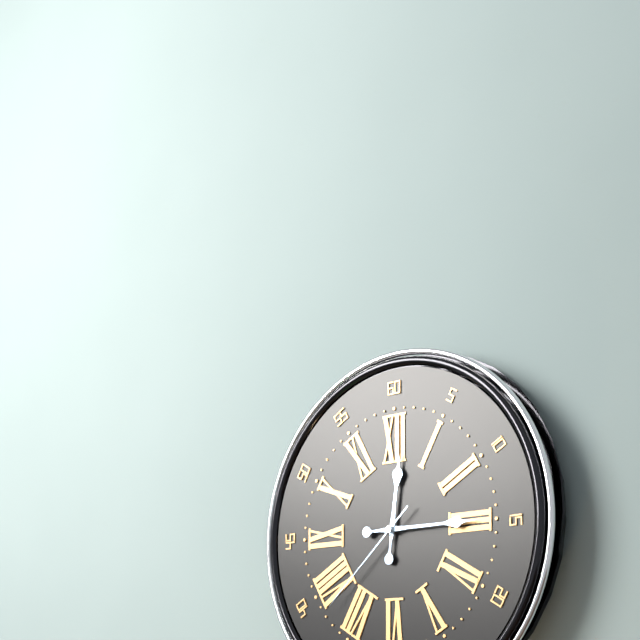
12:15:38
